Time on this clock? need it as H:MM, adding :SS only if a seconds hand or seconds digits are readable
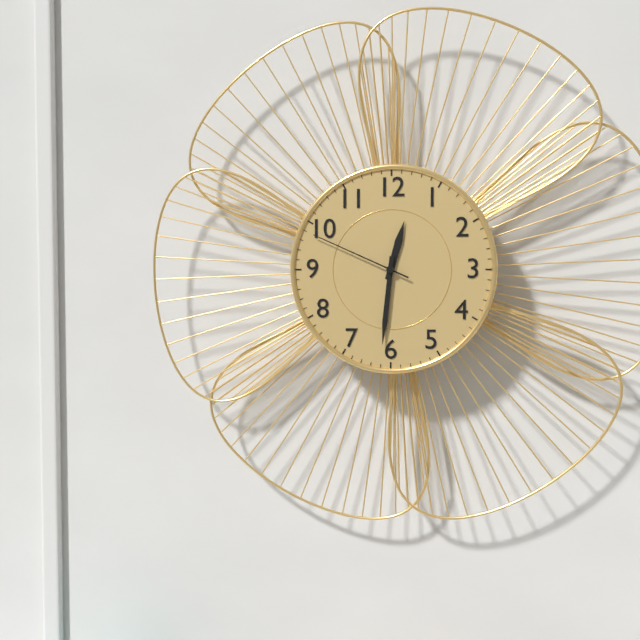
12:31:49
